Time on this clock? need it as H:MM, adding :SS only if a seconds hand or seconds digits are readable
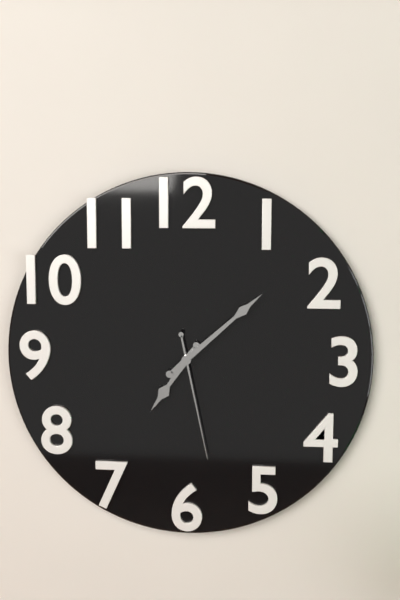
7:08:28
